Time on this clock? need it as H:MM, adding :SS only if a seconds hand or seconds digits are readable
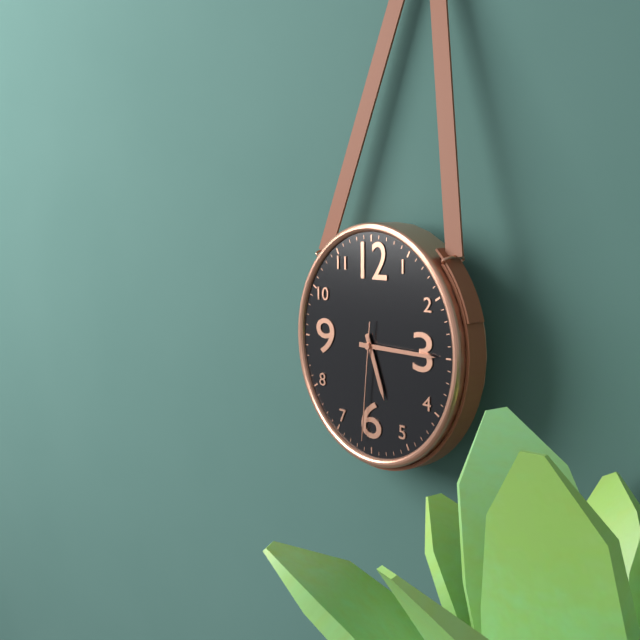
5:15:31
